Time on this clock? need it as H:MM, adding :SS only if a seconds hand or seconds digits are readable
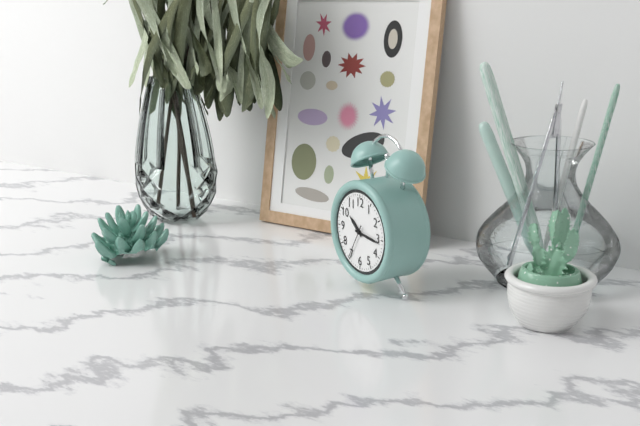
10:16
